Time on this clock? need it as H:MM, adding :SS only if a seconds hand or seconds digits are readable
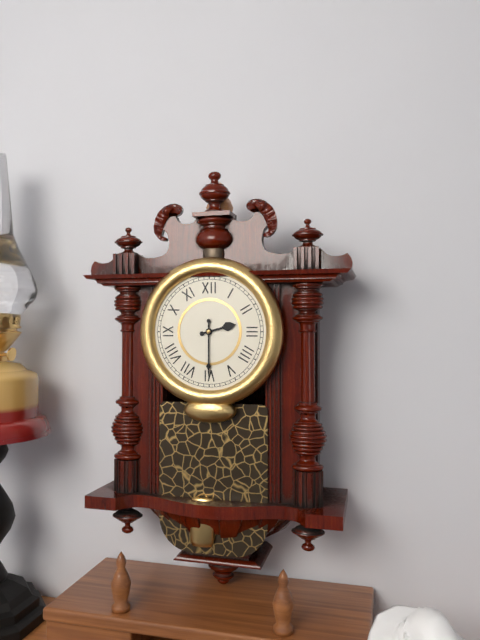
2:30
